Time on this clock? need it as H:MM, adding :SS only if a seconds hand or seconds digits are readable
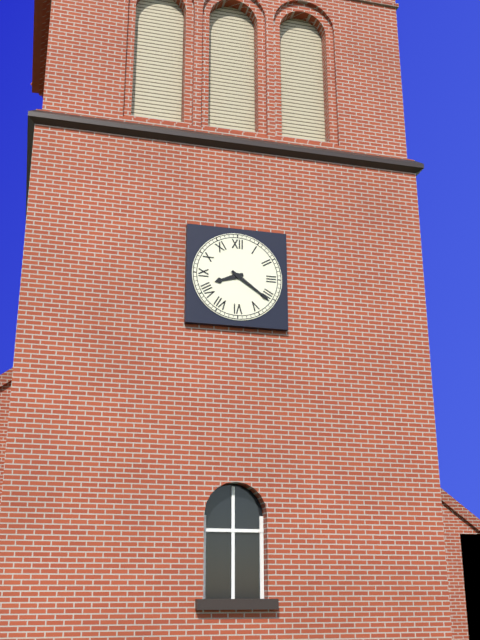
8:21
